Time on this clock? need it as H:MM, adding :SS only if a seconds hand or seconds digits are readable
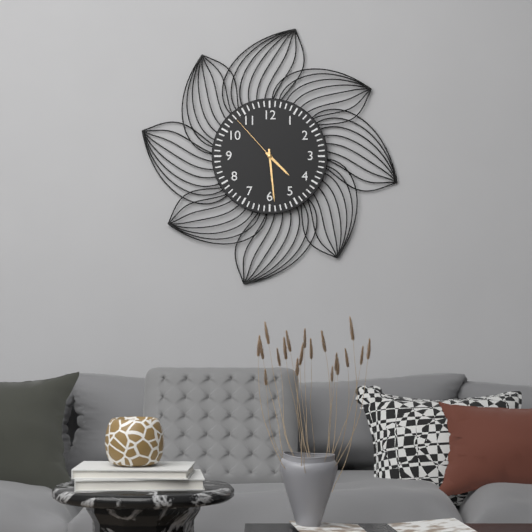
4:29:53
